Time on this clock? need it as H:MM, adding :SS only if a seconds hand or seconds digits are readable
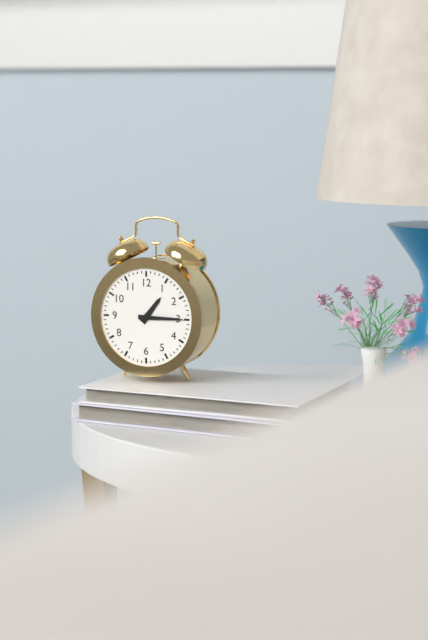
1:15
